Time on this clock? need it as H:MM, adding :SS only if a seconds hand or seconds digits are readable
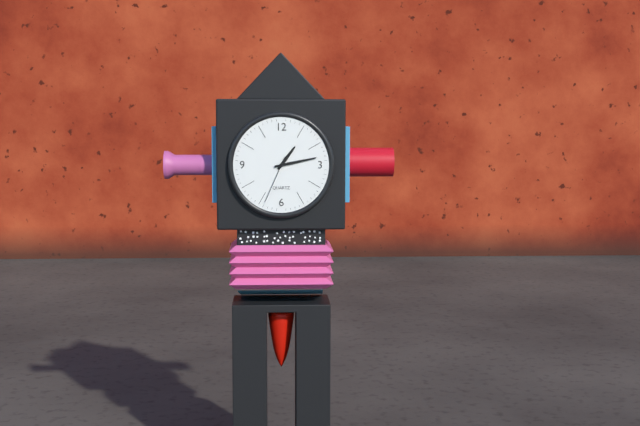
1:13:34
